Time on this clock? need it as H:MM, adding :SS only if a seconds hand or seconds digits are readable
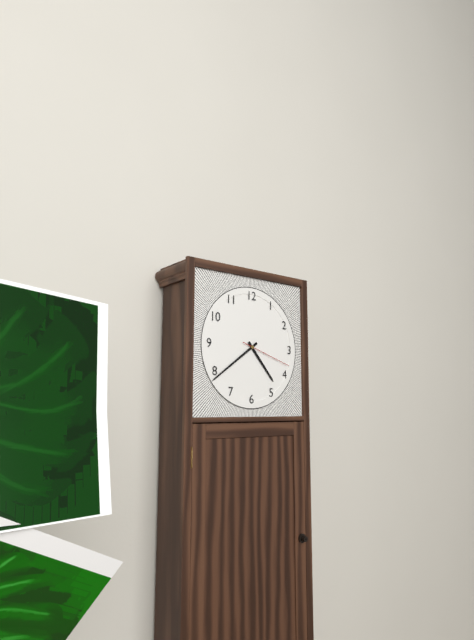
4:39:18
